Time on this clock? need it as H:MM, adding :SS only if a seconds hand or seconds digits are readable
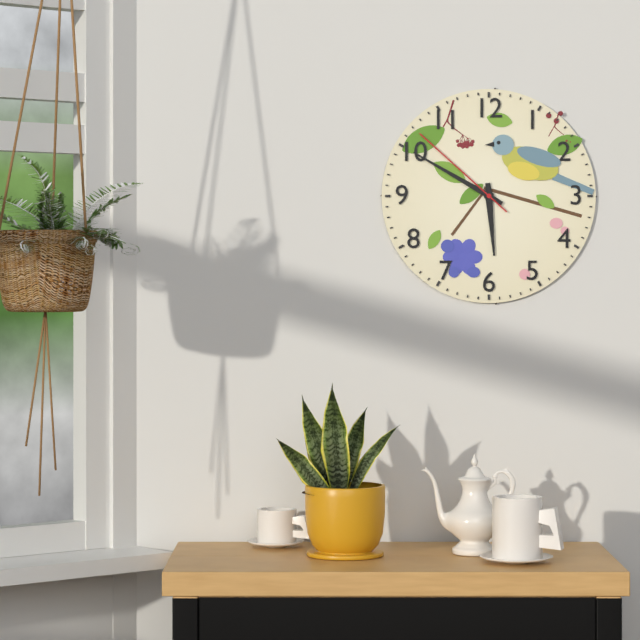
5:50:52
